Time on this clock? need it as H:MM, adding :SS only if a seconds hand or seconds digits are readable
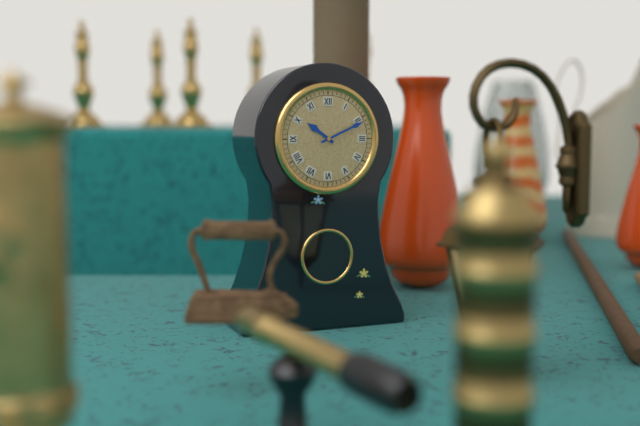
10:11
